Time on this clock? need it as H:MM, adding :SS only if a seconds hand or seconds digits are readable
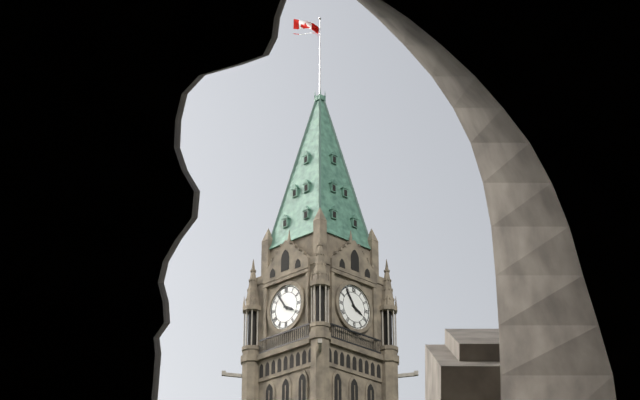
3:54
